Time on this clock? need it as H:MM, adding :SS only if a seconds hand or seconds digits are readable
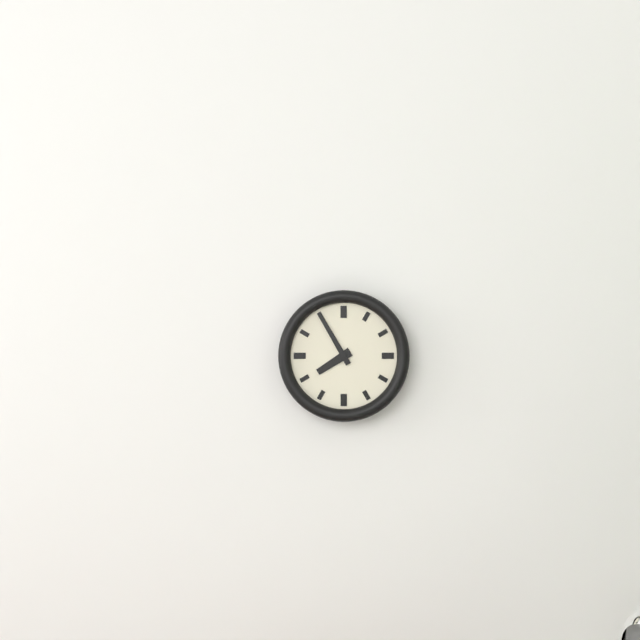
7:55
